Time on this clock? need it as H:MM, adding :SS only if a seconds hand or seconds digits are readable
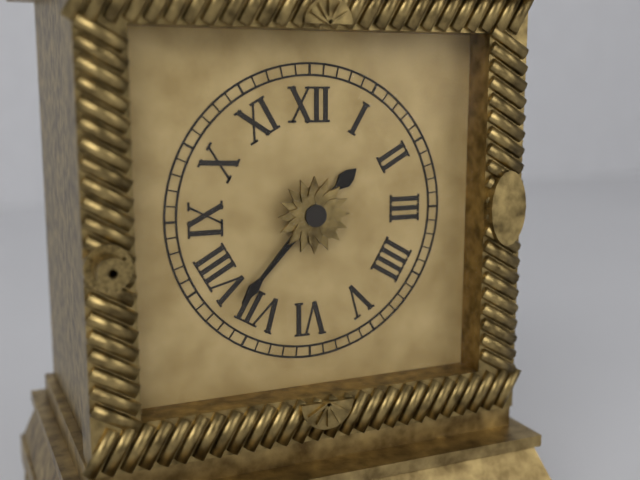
1:37
